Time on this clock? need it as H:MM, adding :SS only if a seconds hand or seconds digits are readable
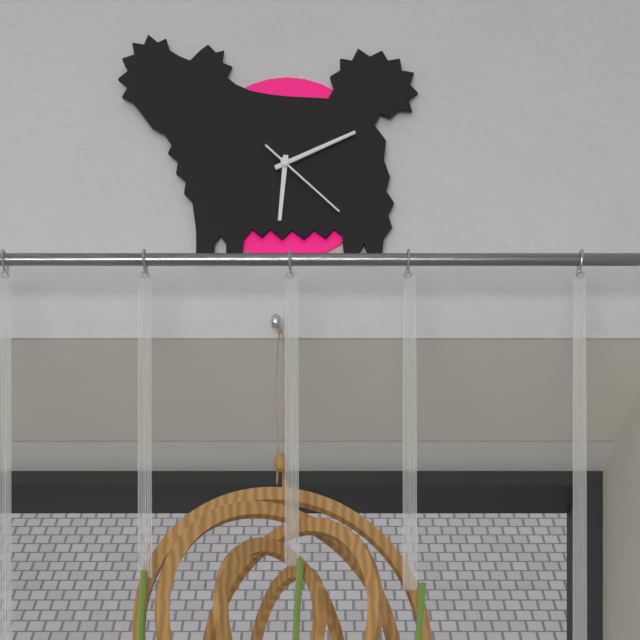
6:11:22
